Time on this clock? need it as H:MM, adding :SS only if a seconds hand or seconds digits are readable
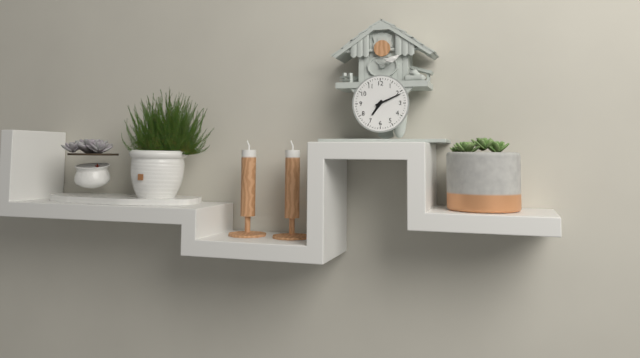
7:11
